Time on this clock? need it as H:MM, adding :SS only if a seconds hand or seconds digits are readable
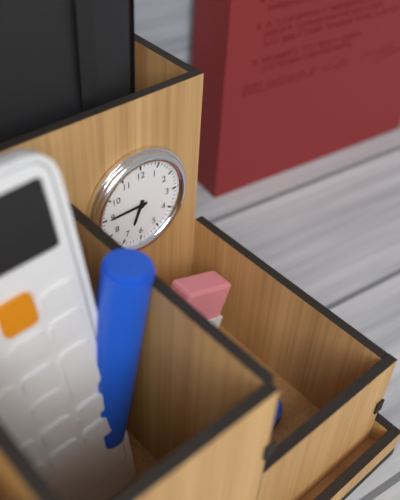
6:45
